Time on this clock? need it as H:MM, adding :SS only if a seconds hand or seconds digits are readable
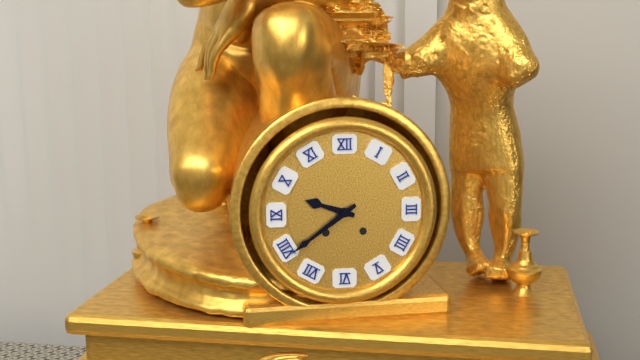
9:39
